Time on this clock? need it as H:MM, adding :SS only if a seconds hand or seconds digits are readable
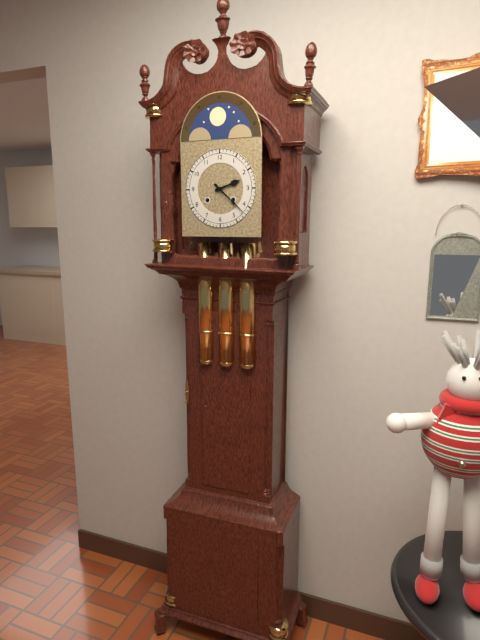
2:22
